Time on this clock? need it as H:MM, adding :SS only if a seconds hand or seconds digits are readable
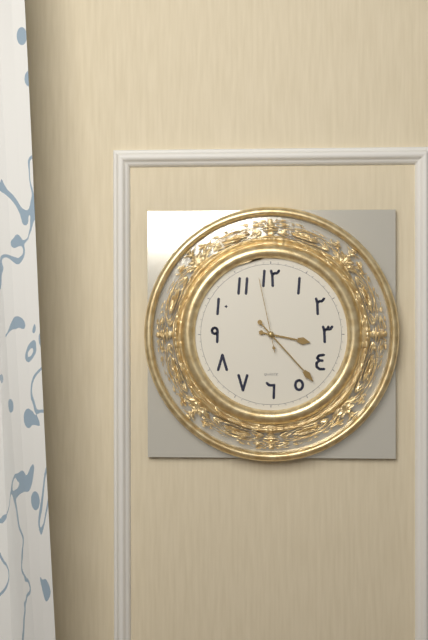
3:23:58
